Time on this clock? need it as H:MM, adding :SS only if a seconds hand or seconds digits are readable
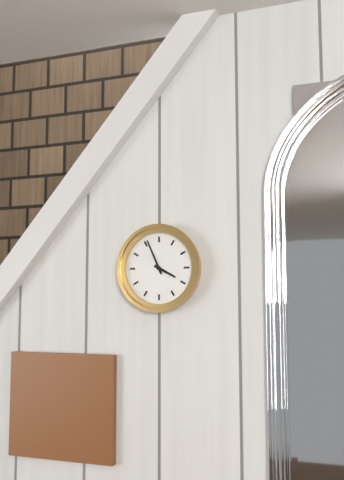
3:56
